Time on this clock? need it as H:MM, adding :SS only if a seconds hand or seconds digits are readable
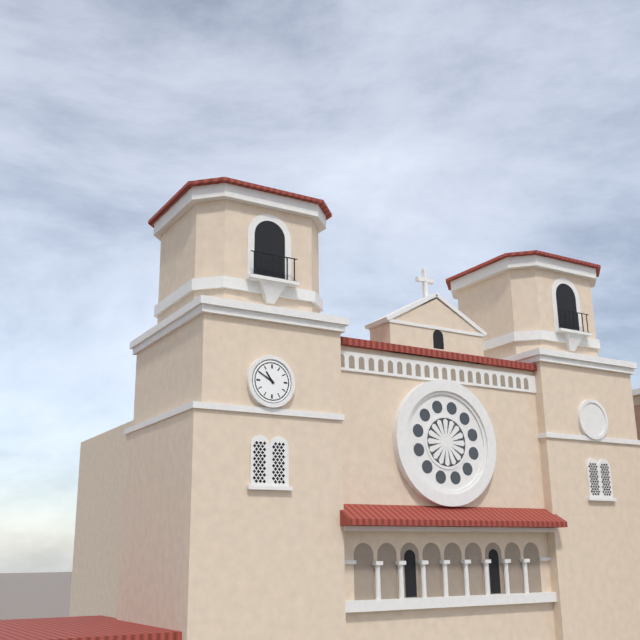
10:50
